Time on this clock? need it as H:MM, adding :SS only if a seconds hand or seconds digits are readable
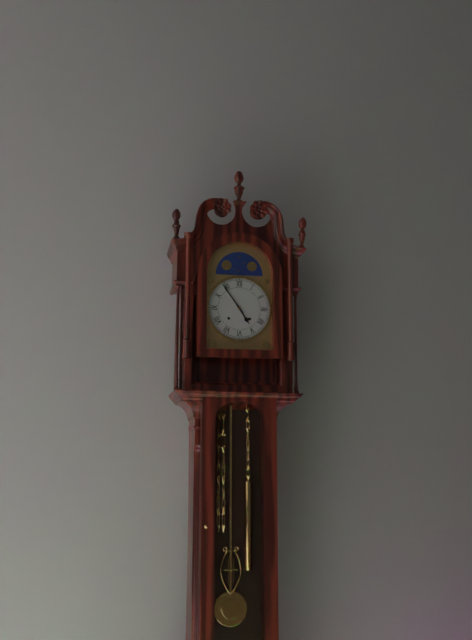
4:54
